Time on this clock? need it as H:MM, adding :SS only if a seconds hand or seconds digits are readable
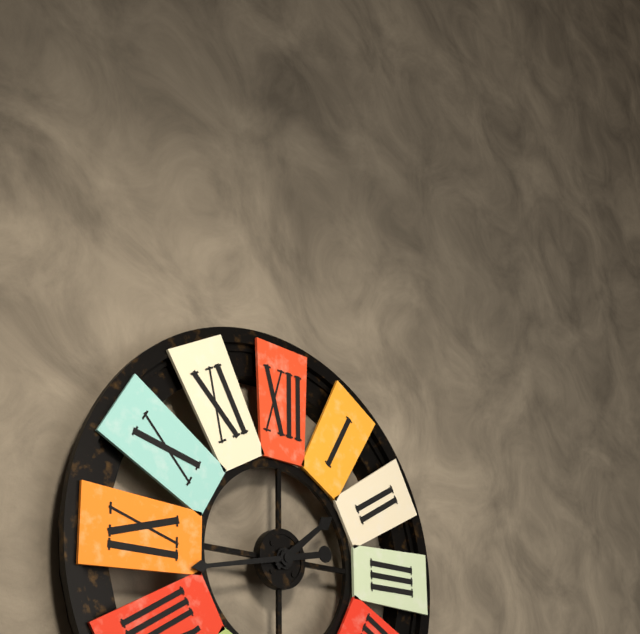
1:43
